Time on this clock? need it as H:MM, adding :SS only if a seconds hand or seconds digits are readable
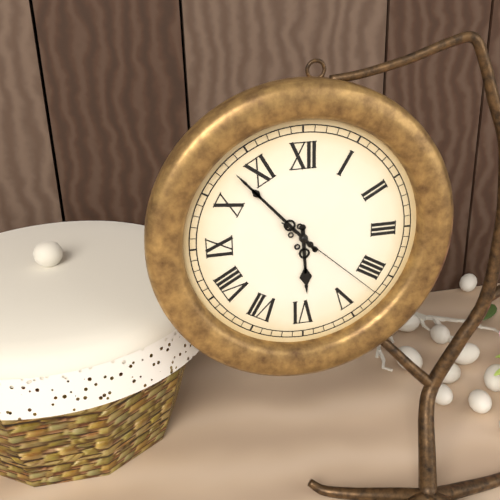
5:53:22
